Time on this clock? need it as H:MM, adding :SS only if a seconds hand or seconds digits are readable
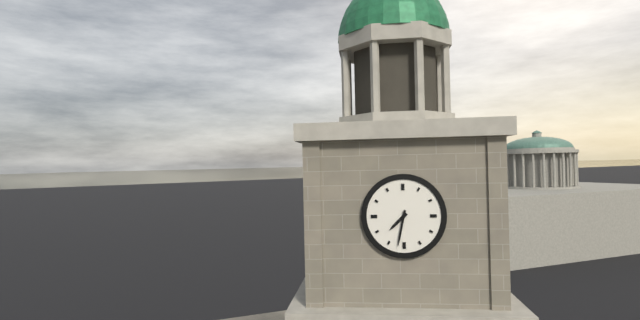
7:32
